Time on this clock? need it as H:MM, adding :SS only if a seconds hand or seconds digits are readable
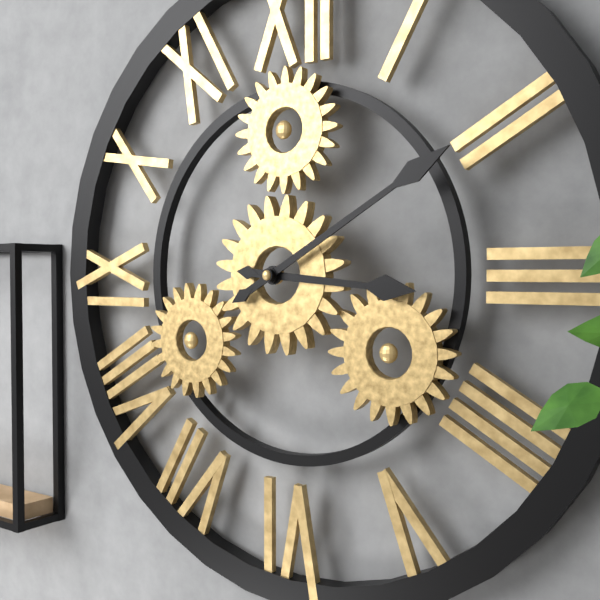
3:10
